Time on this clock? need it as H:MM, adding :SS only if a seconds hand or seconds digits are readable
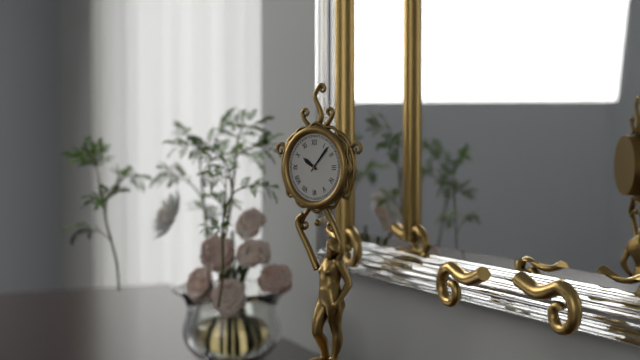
10:07
